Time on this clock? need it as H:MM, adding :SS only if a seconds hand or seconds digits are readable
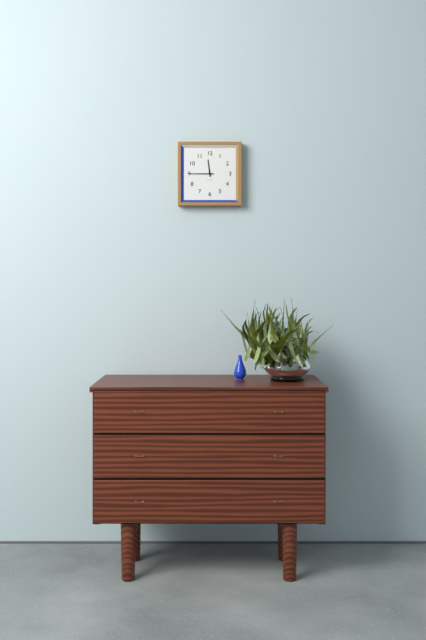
11:45
